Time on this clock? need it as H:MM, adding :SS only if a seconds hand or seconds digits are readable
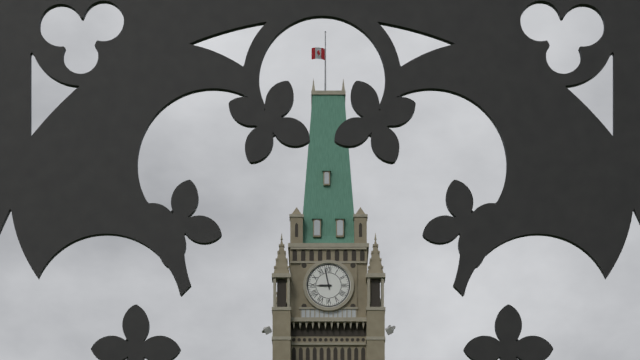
8:58
